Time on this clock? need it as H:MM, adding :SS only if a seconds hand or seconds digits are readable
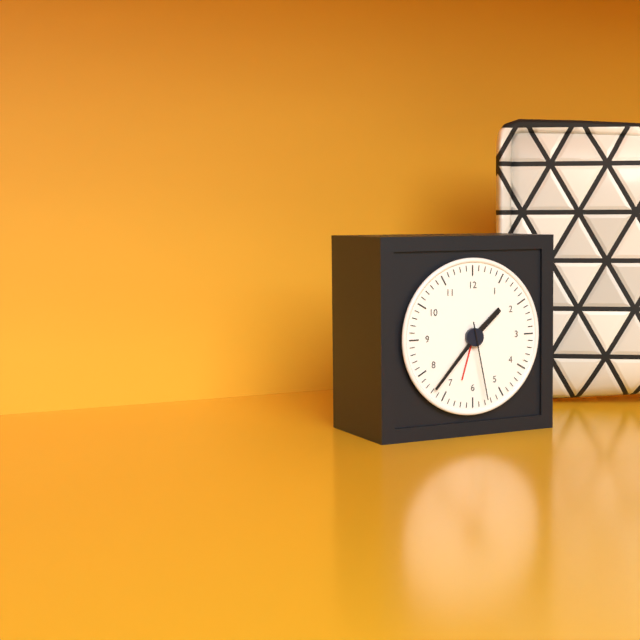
1:37:28
